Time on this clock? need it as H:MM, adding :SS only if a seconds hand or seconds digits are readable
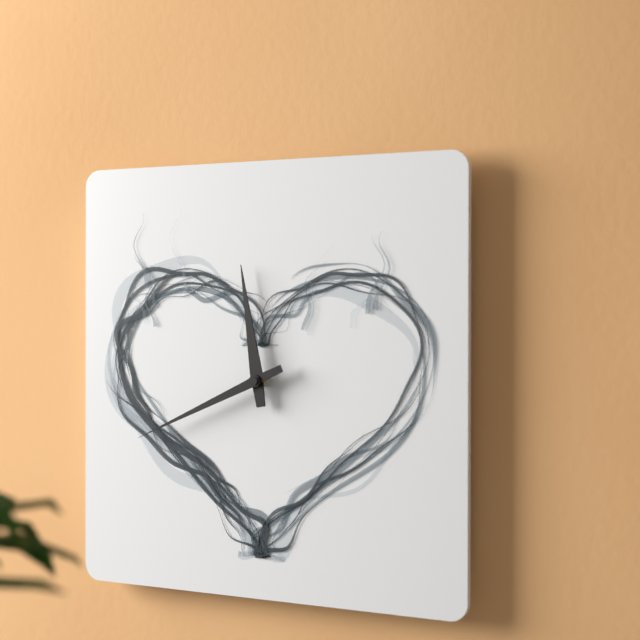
11:41
